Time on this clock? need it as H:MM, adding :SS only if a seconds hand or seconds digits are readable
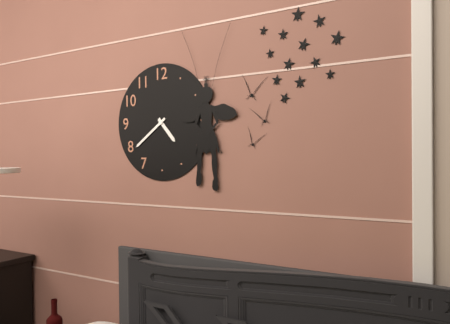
4:39
